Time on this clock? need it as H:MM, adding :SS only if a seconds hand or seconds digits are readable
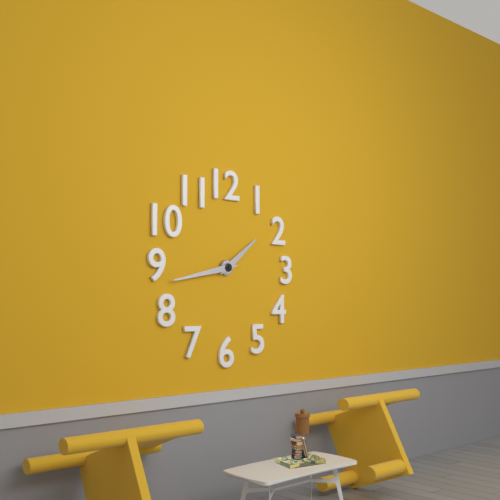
1:43
